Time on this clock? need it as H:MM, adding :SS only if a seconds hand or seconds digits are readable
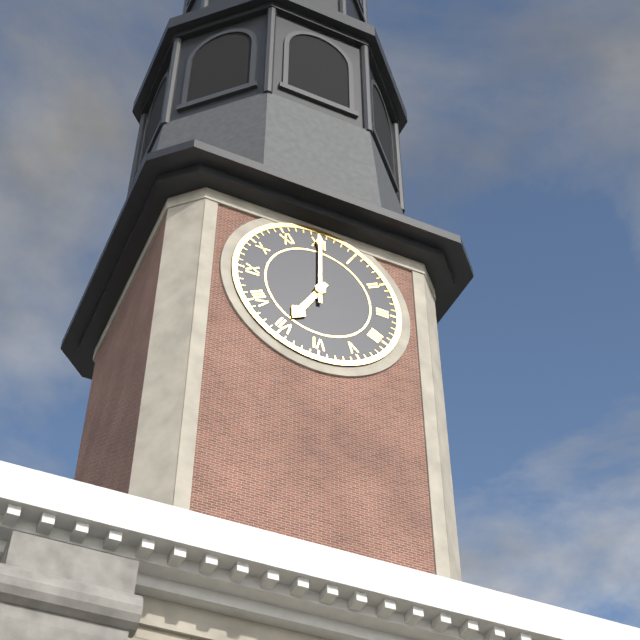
7:00
